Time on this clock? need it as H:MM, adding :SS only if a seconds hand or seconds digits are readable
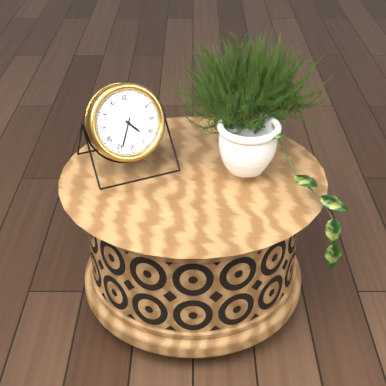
4:34
